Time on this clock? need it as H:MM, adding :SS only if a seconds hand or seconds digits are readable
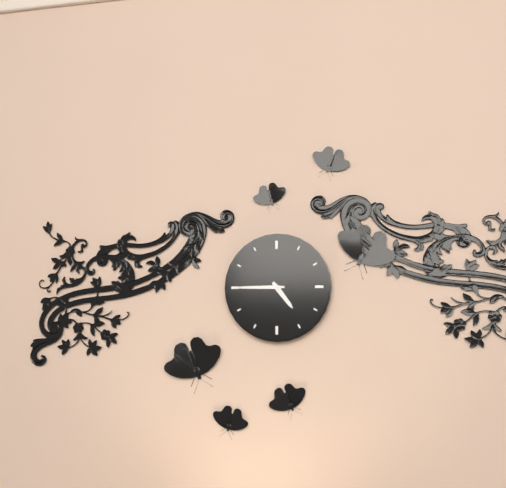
4:45
